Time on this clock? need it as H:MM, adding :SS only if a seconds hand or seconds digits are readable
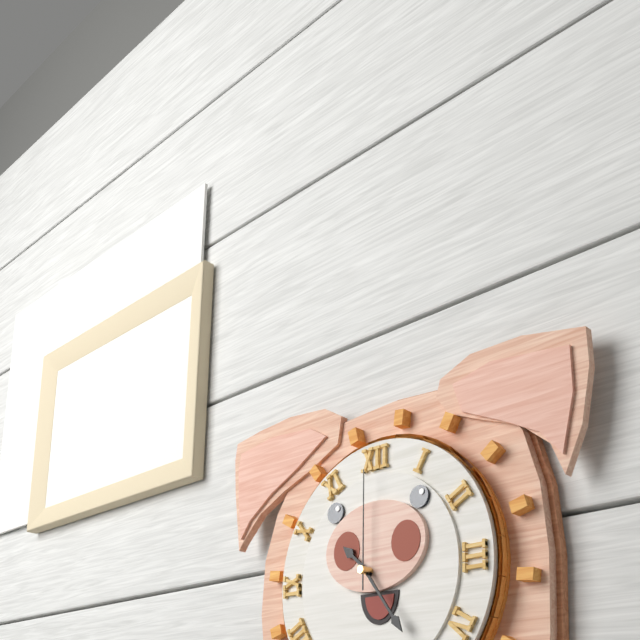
10:24:00
